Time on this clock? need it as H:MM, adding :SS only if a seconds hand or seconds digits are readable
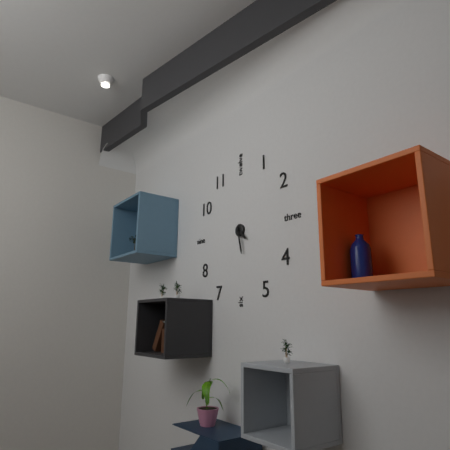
4:28
